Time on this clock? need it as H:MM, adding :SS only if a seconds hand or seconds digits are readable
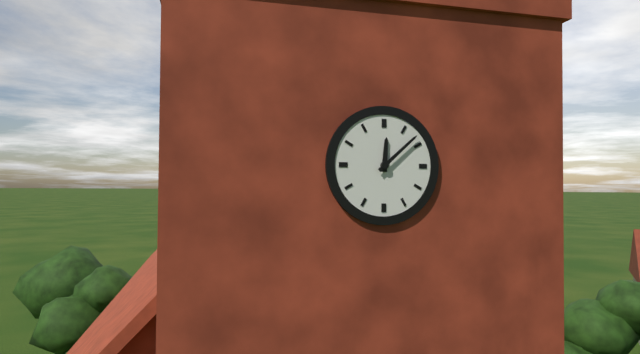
12:08
